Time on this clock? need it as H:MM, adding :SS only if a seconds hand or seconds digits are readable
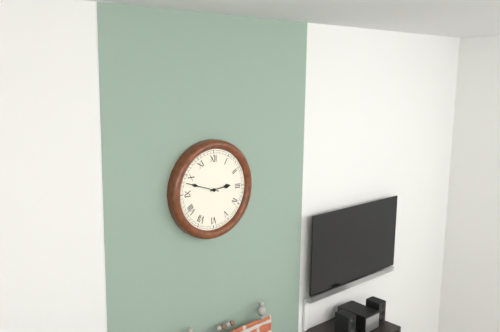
2:48
